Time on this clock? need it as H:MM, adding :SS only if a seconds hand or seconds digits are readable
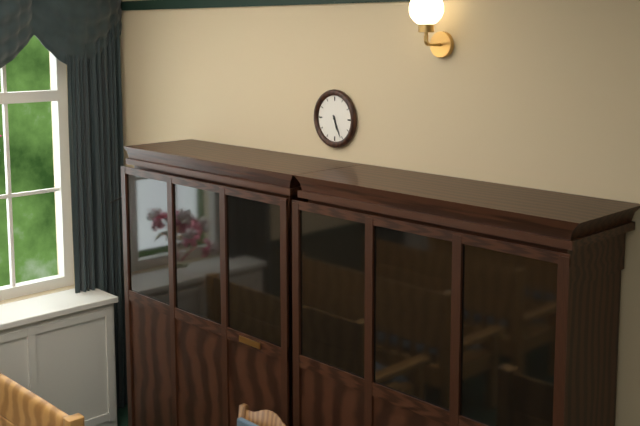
5:26
